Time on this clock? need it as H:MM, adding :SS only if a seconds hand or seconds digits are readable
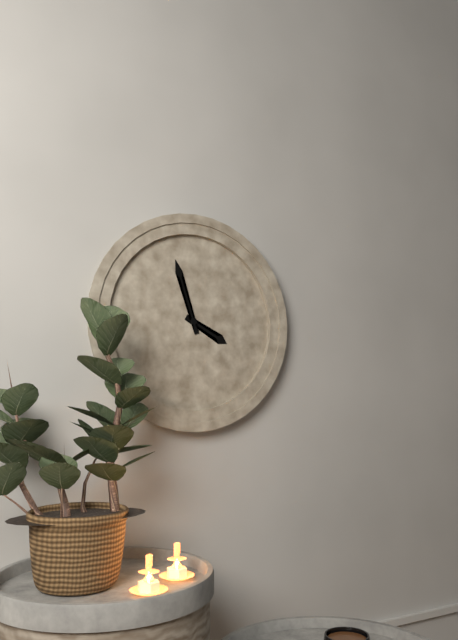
3:57
